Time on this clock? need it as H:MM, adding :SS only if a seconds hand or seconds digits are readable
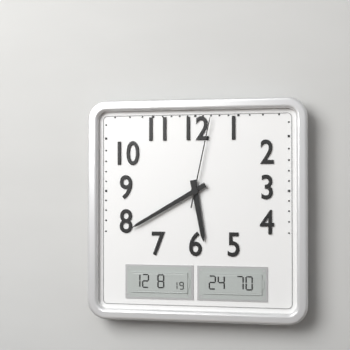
5:40:02
